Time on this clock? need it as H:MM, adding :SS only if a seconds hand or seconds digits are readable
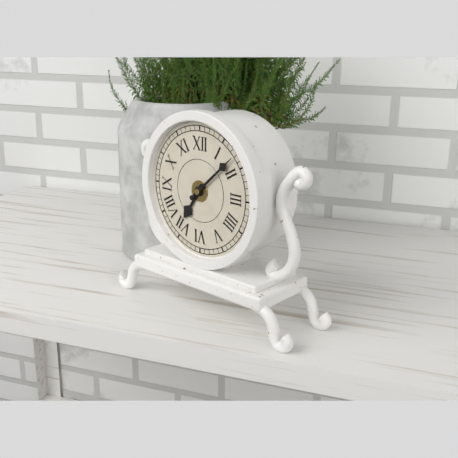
7:08
